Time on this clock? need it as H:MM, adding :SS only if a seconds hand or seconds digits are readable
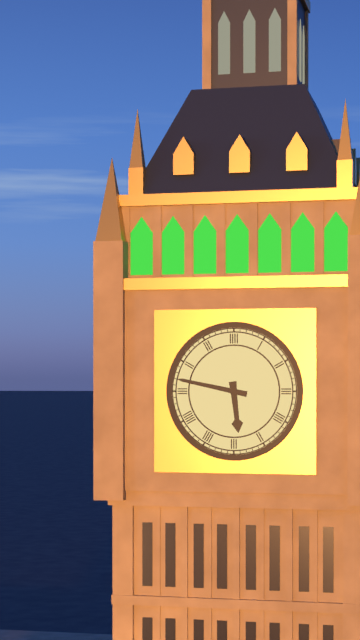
5:47
